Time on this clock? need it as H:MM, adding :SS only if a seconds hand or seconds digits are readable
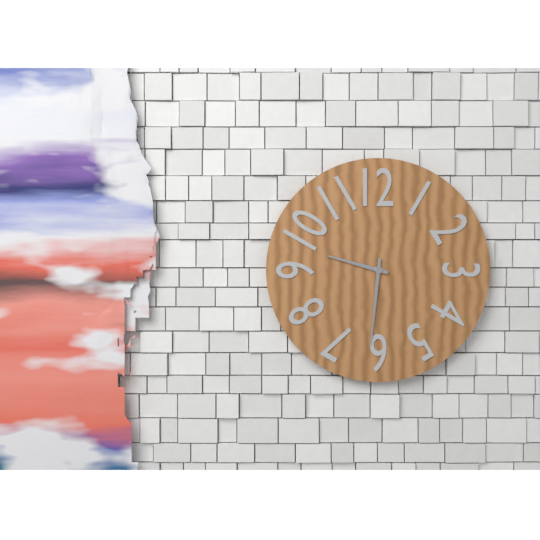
9:31
